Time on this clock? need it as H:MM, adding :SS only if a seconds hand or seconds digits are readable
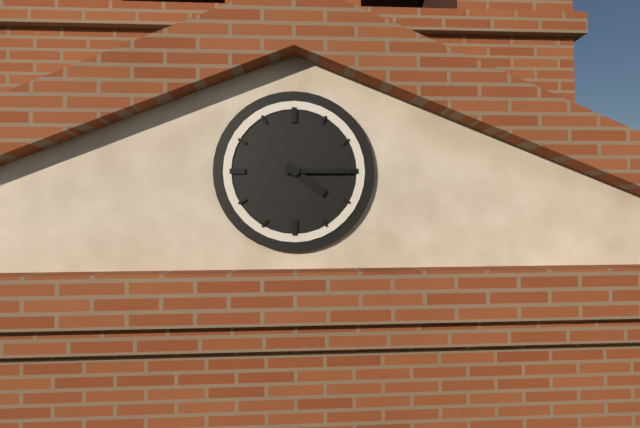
4:15
